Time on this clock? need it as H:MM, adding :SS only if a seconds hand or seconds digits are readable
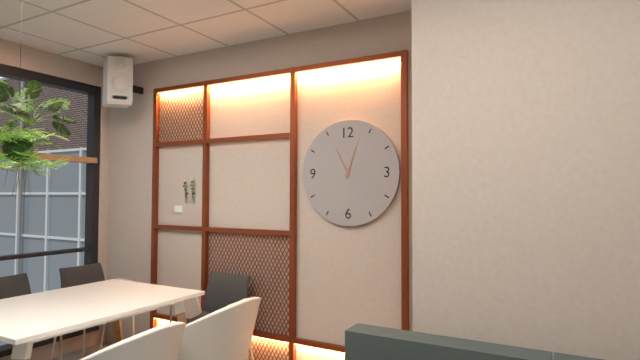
11:03
